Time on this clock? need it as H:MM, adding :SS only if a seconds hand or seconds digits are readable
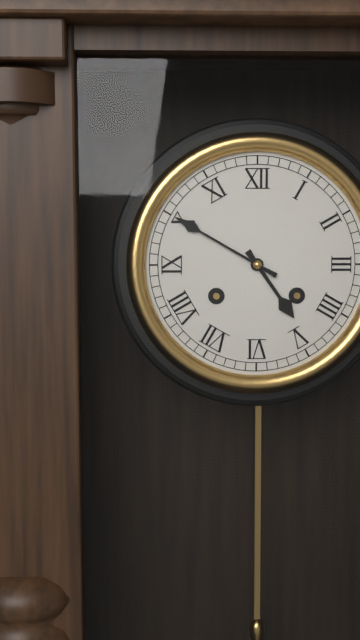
4:50
